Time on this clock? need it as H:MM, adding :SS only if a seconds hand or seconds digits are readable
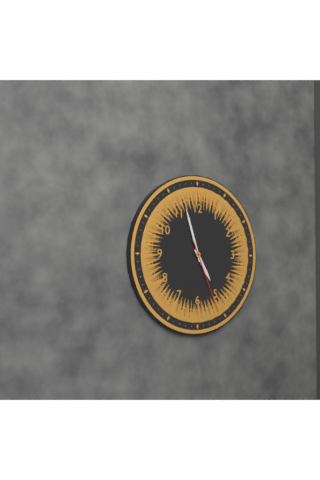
4:57:26
